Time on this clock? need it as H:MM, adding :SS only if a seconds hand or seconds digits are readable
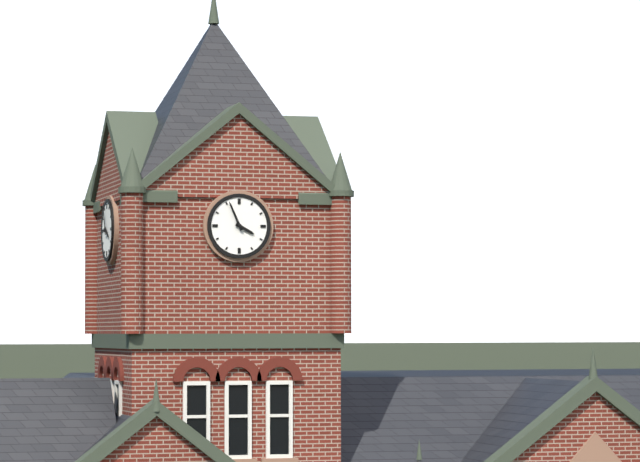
3:56
